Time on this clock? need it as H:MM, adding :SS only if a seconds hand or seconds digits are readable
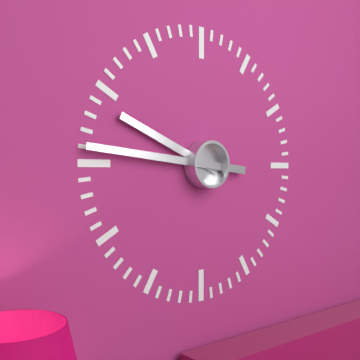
9:46
